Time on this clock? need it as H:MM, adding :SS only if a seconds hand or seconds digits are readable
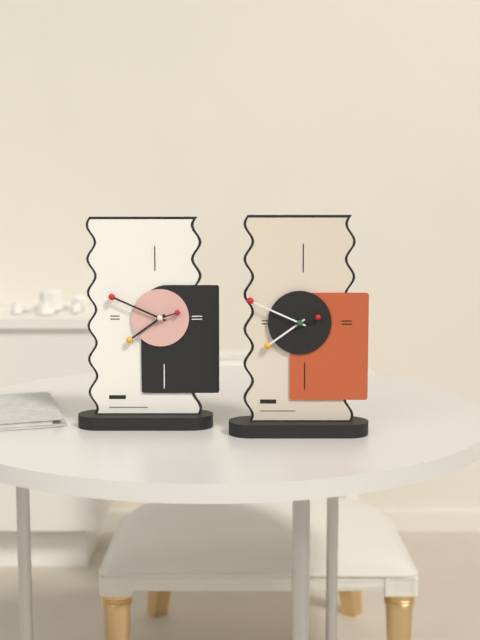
7:49
